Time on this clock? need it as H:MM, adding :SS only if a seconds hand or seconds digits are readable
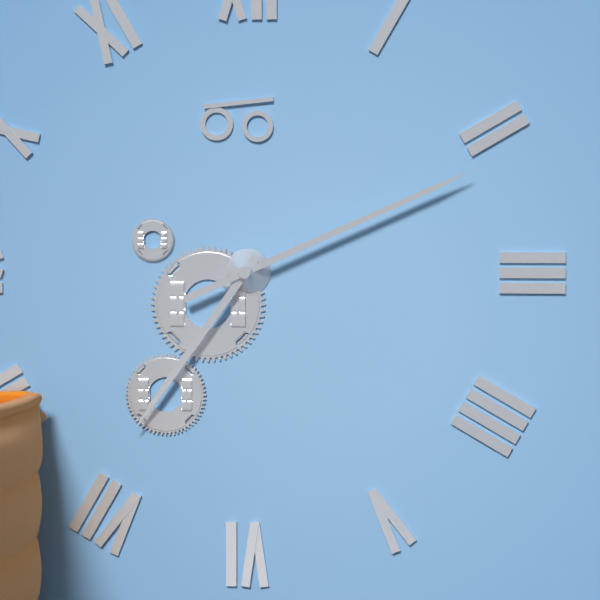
7:11
